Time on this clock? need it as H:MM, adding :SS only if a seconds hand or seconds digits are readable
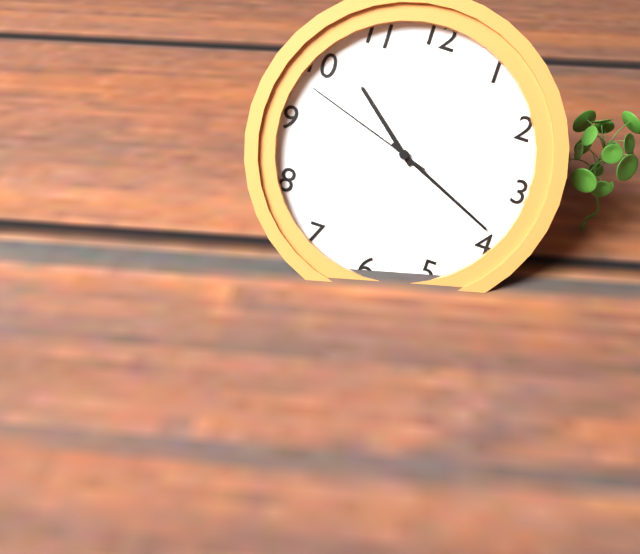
10:19:48
